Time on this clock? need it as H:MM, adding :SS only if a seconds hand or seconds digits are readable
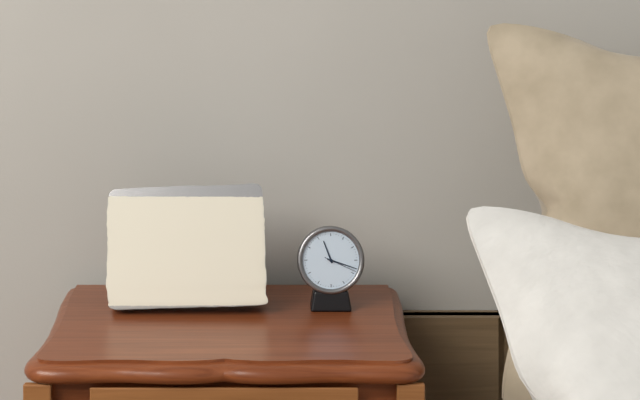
11:18
